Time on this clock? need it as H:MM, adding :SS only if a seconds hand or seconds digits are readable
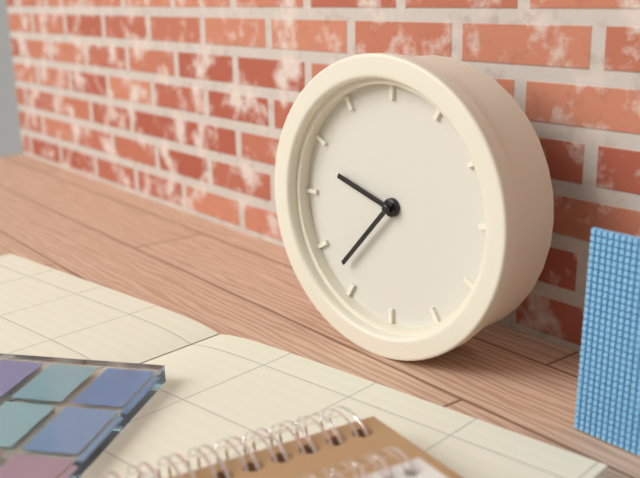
9:37
